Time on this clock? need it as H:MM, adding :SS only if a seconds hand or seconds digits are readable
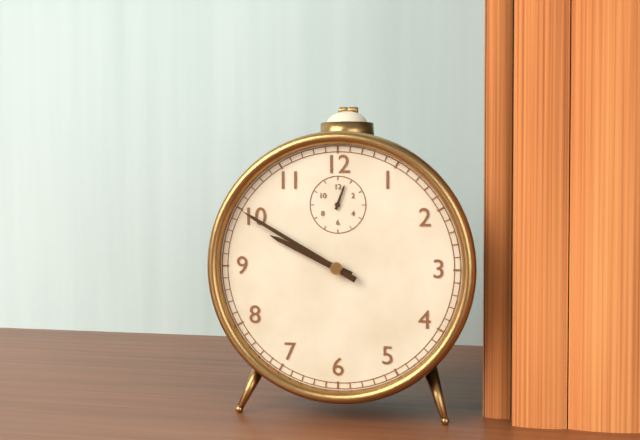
9:50
